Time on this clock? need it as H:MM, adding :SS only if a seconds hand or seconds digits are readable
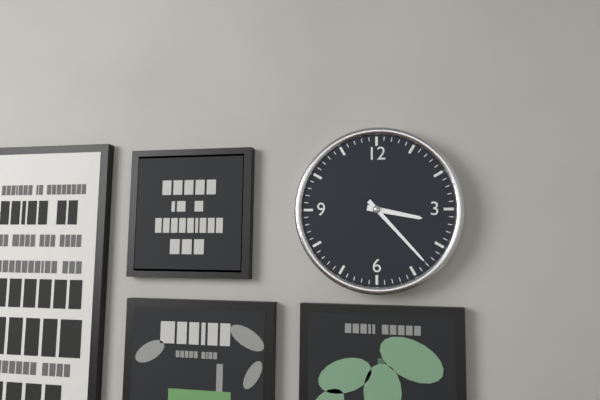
3:23
